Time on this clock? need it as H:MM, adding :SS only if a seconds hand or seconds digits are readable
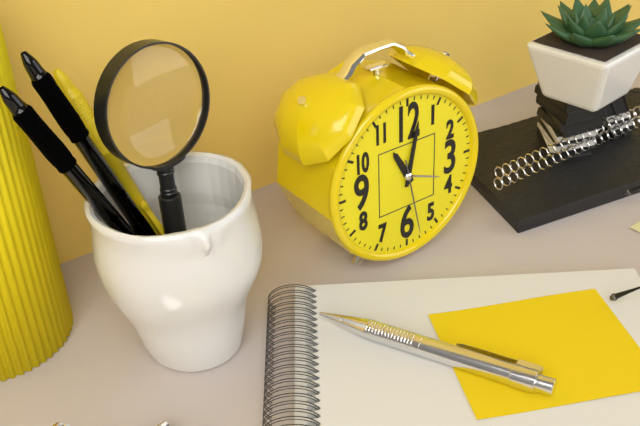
11:02:28
